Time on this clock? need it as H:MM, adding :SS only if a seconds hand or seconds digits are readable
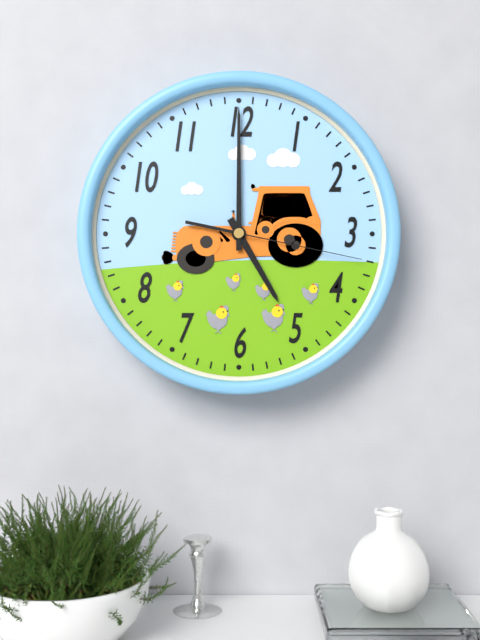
5:00:17
